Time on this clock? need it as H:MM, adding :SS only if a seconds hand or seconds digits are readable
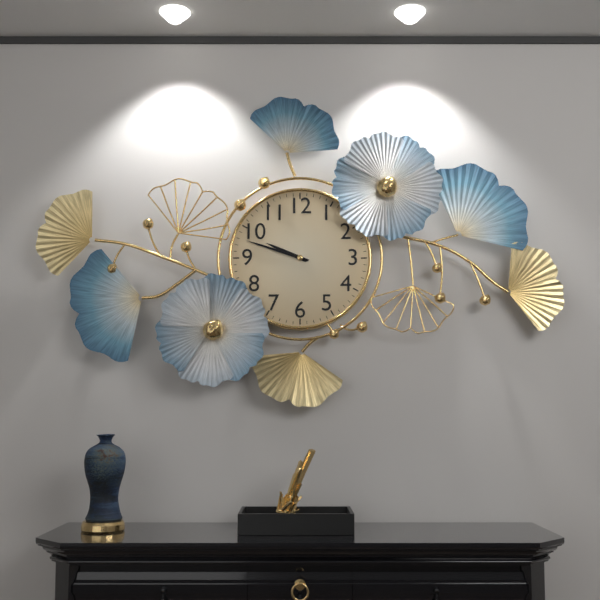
9:48
